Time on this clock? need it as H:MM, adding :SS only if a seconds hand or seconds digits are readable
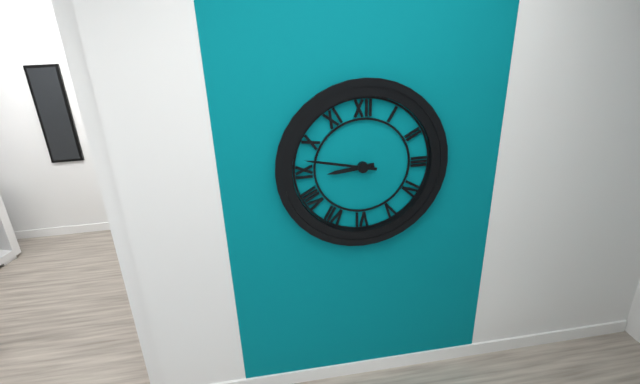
8:47
